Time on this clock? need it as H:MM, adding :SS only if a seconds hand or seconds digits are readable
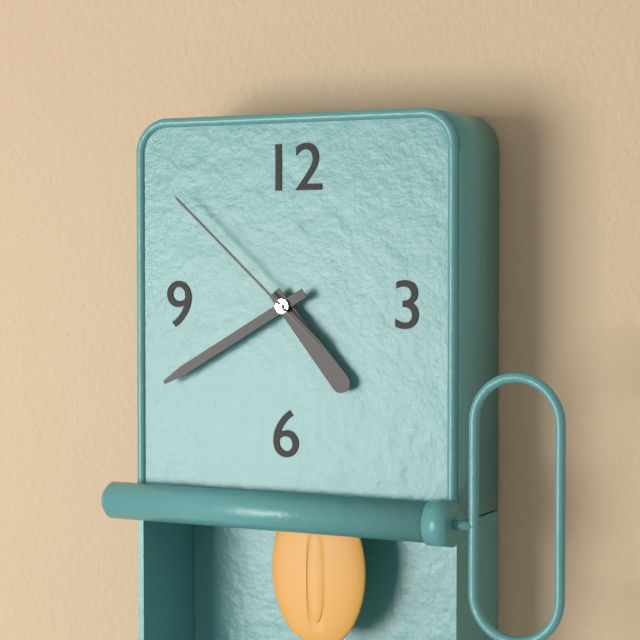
4:40:52
